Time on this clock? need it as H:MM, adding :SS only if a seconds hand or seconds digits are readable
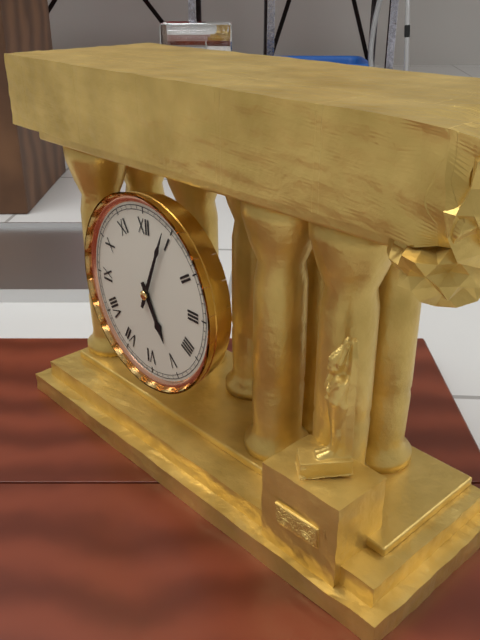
5:04
